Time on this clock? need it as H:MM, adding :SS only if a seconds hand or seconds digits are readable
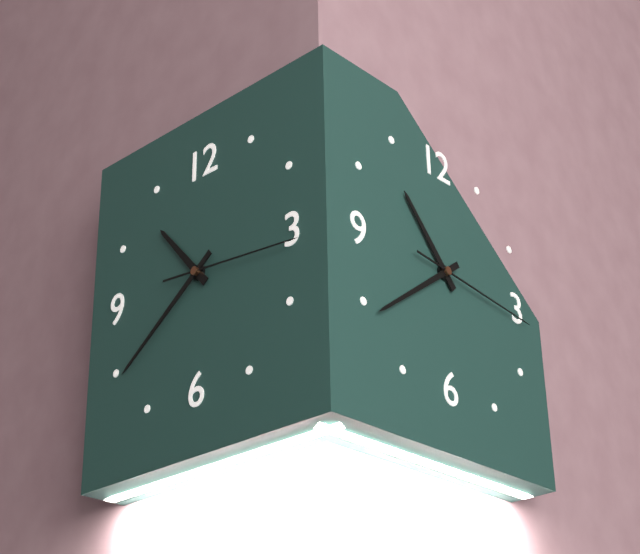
10:39:16
